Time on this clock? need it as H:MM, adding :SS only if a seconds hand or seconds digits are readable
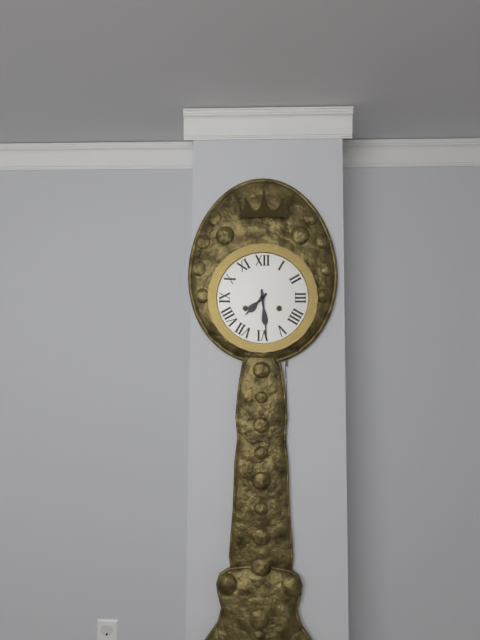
7:29
